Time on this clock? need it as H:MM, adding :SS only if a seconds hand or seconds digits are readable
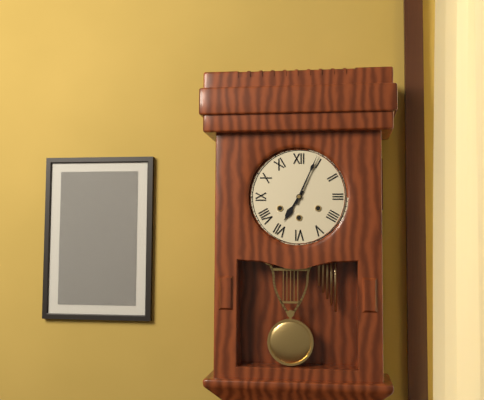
7:04
